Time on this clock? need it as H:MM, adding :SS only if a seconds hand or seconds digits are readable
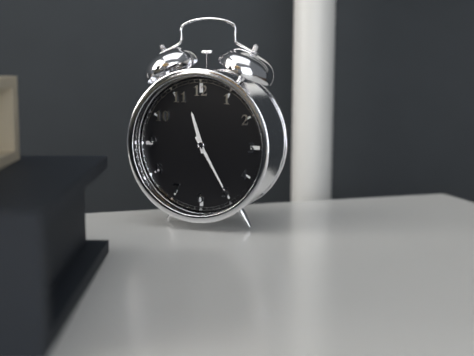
11:25
